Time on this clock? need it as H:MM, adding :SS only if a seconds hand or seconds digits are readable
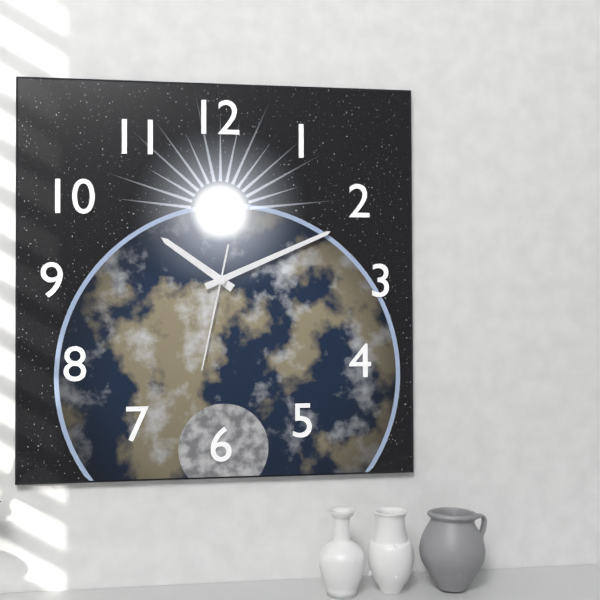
10:11:32
